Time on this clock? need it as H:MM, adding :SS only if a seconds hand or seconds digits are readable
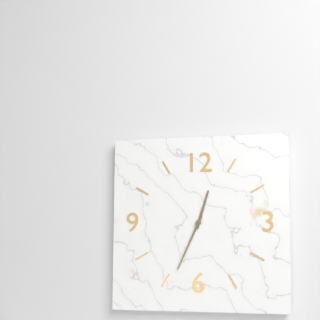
12:34
